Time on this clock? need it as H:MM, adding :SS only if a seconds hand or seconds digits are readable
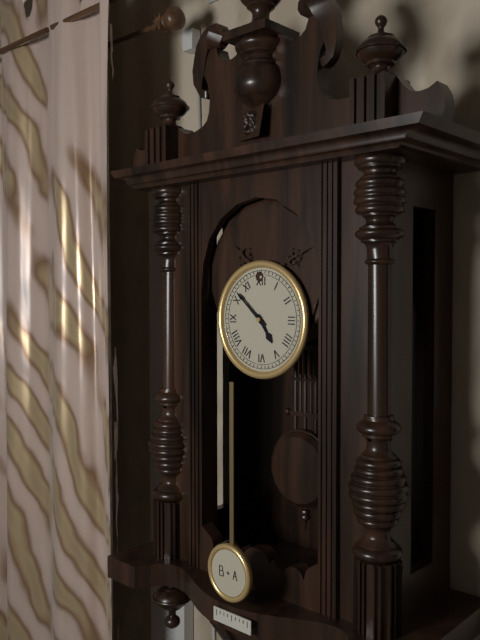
4:52
